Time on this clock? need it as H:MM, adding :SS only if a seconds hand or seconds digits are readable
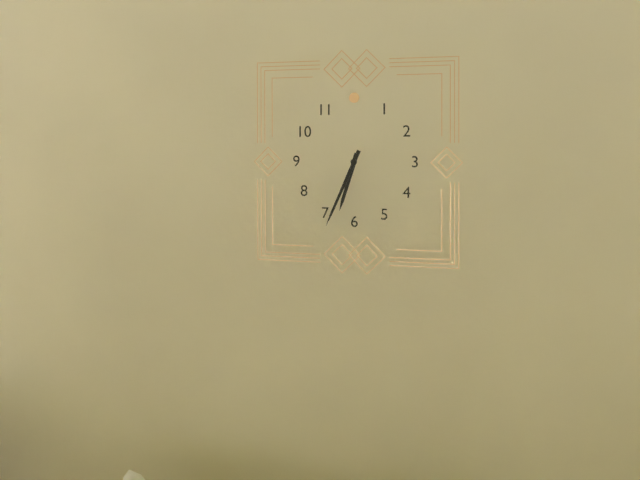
6:34
